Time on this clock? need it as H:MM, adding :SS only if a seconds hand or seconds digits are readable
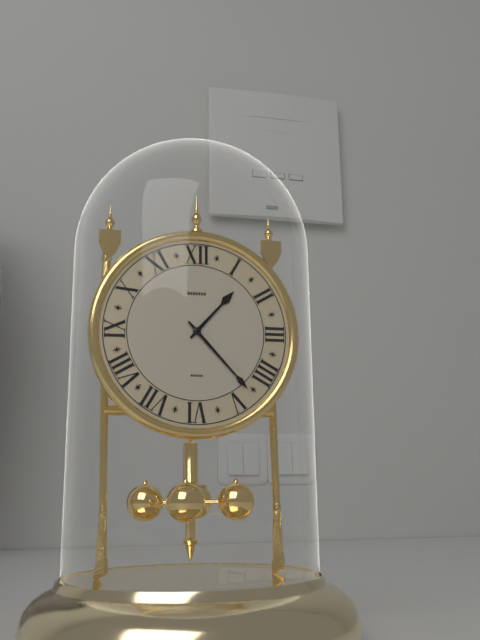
1:23
